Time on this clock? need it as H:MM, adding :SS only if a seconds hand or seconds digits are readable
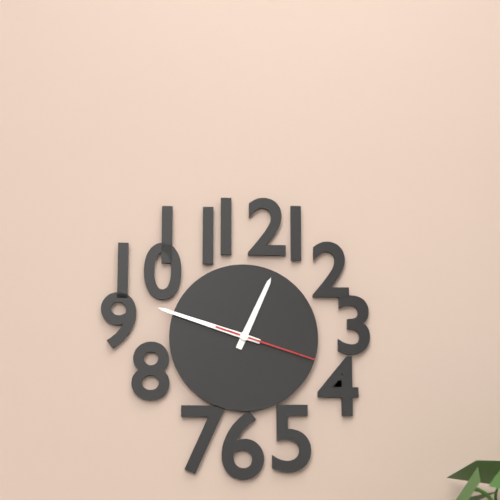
12:48:18
